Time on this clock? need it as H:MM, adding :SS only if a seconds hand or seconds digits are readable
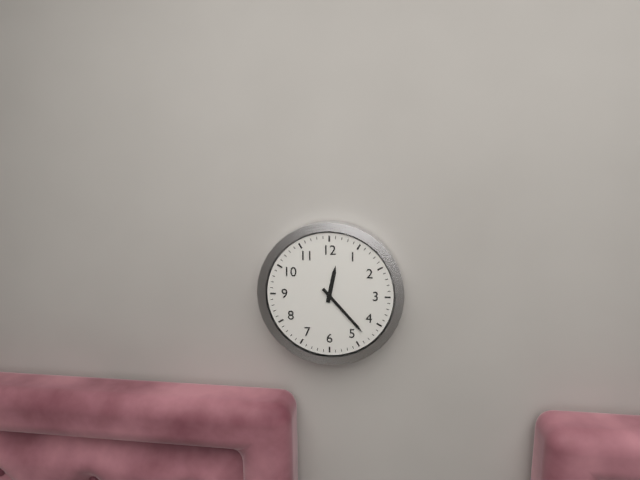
12:23
